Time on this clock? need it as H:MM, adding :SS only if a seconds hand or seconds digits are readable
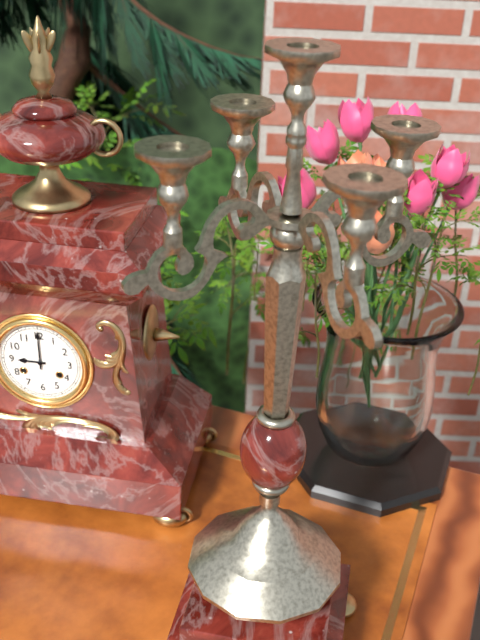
9:00
